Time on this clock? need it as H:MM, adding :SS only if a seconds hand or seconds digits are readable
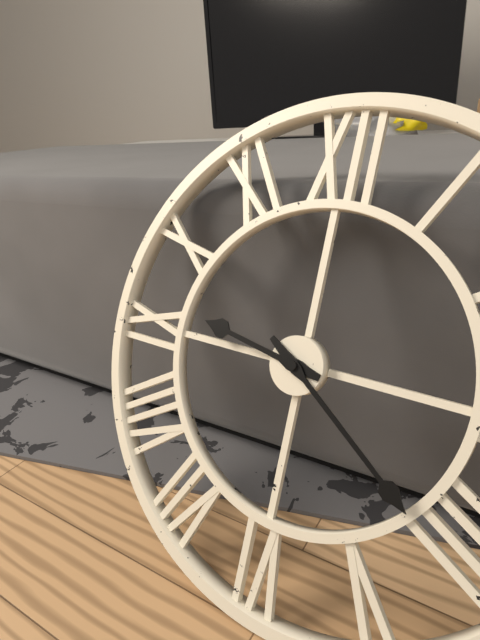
9:21
